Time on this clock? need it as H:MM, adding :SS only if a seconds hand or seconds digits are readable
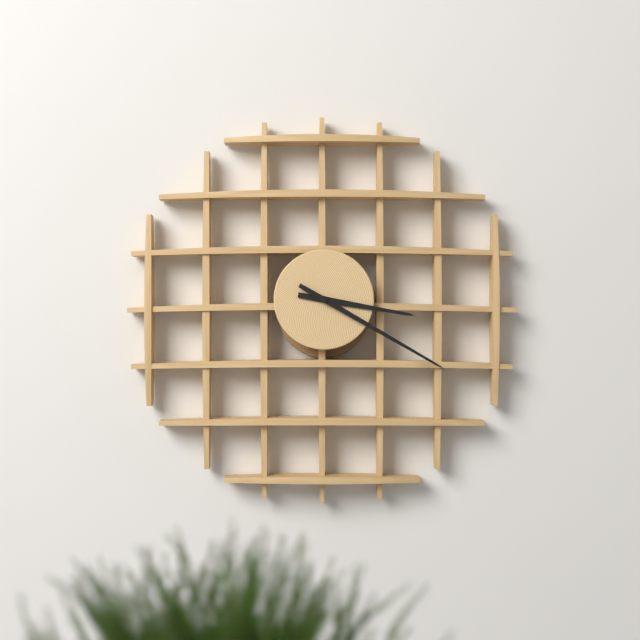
3:20
